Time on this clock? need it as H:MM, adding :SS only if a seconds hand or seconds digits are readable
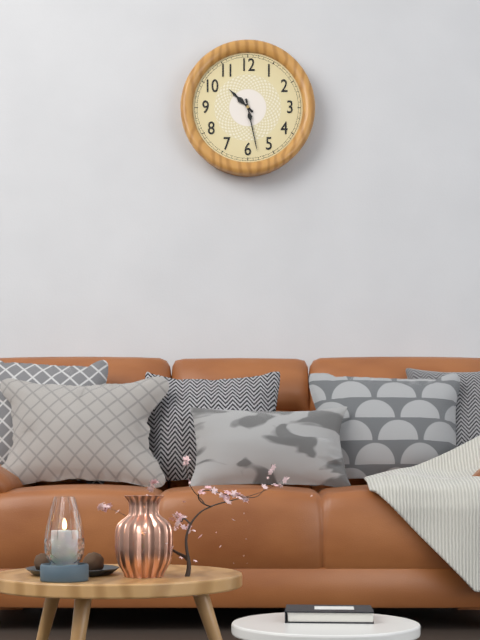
10:28
